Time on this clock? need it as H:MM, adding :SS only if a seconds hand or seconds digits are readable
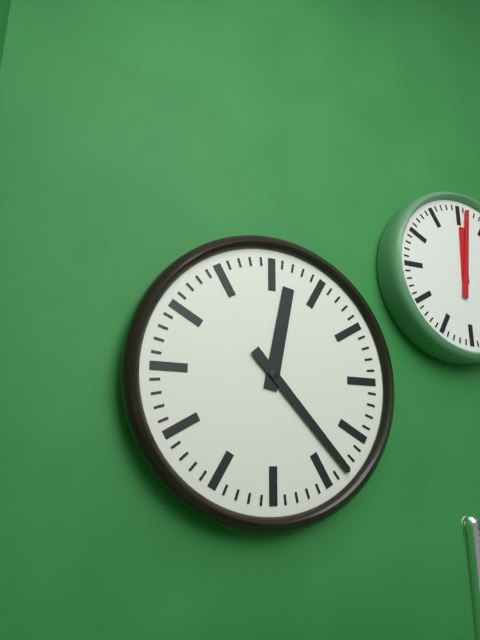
12:23
